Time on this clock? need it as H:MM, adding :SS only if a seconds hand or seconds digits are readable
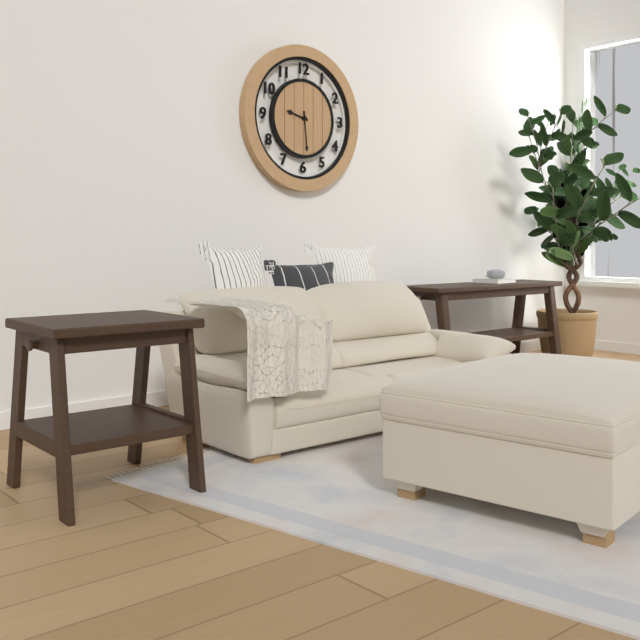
9:29
